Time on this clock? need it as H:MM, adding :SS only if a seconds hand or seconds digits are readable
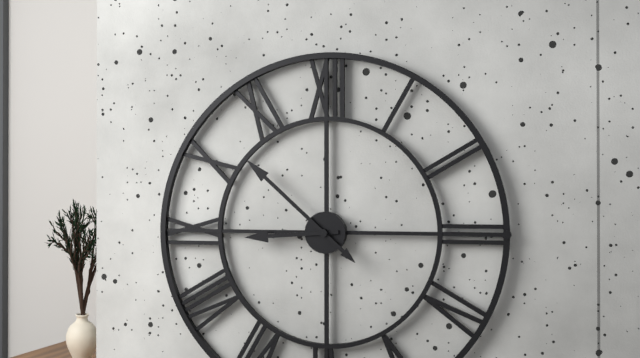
8:52
